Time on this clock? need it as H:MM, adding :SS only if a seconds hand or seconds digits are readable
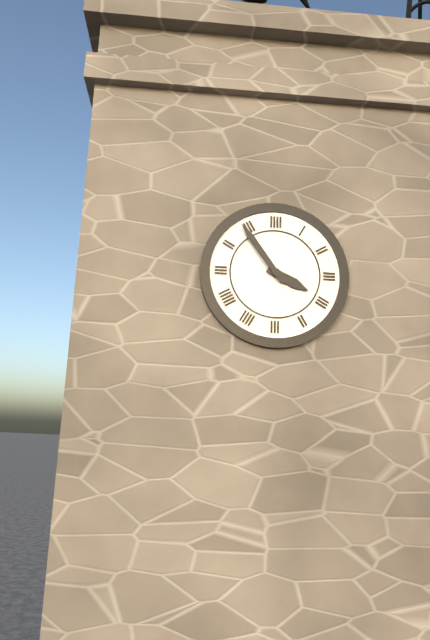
3:54
